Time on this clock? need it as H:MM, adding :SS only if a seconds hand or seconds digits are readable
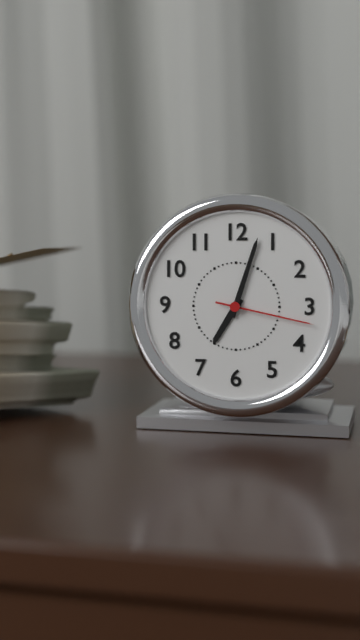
7:03:17
